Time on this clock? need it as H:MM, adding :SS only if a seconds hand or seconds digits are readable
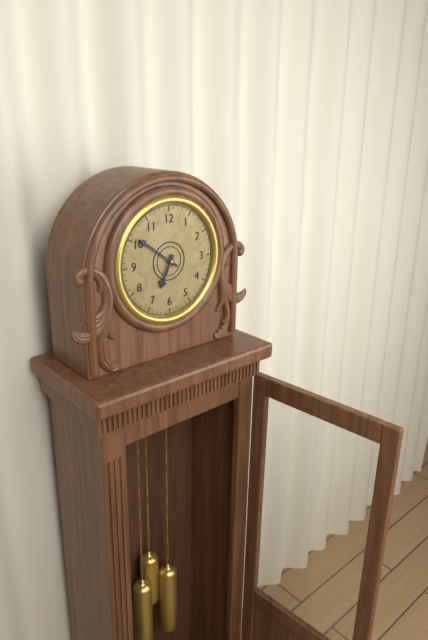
6:51
